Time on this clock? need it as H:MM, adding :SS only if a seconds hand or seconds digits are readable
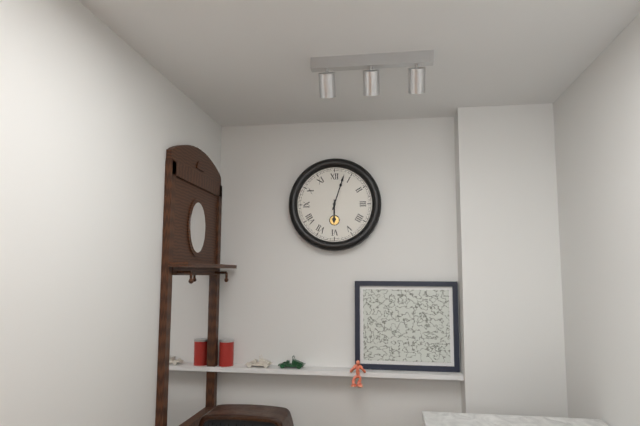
6:03
